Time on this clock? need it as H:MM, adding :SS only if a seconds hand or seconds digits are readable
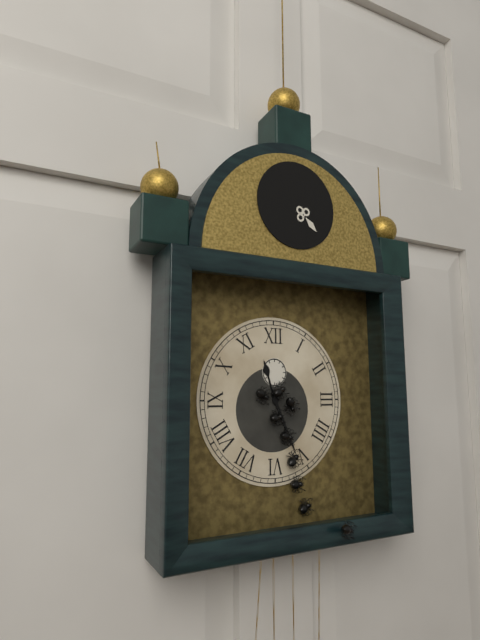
11:26
